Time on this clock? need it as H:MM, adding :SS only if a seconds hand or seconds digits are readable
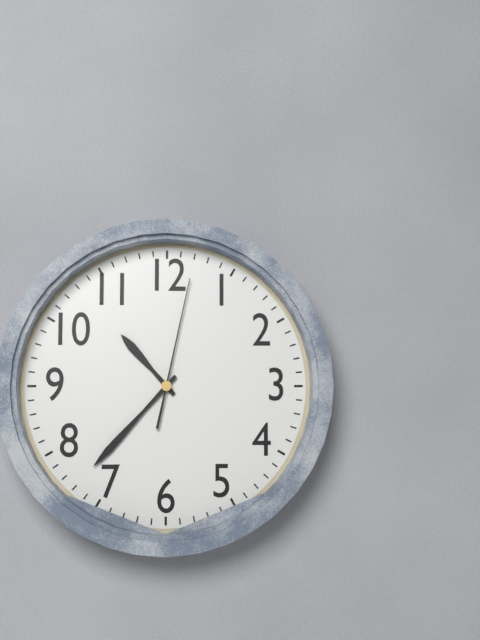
10:37:02
